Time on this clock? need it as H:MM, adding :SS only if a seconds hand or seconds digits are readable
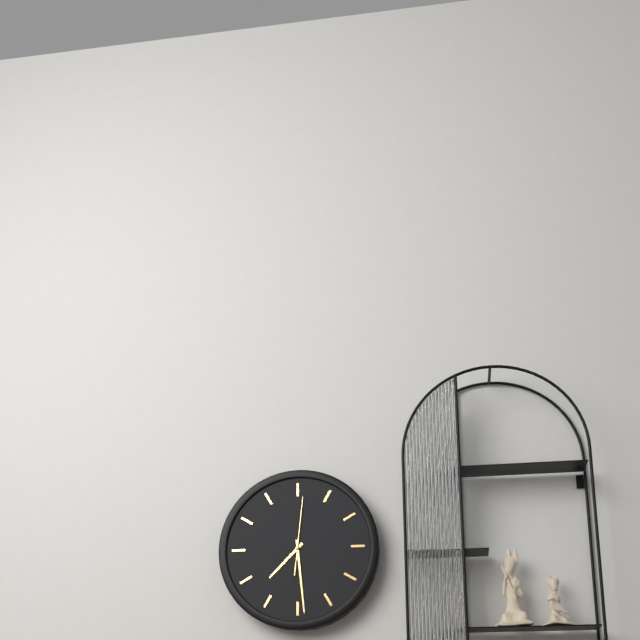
7:29:01
